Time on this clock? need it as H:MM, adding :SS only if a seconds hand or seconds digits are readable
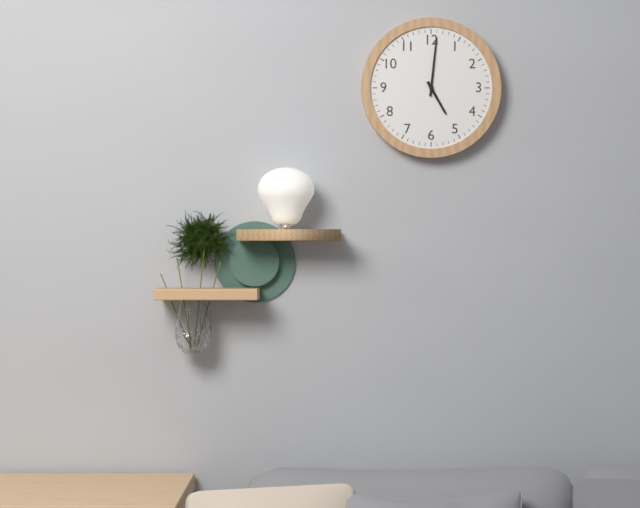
5:01
